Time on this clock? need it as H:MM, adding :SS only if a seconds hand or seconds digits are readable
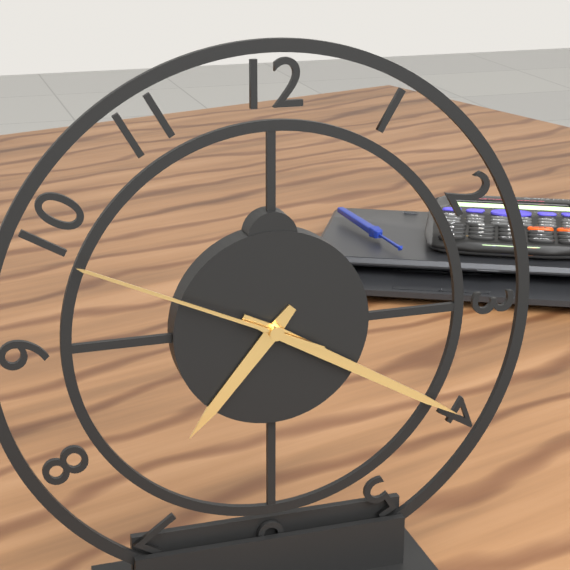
7:20:49
